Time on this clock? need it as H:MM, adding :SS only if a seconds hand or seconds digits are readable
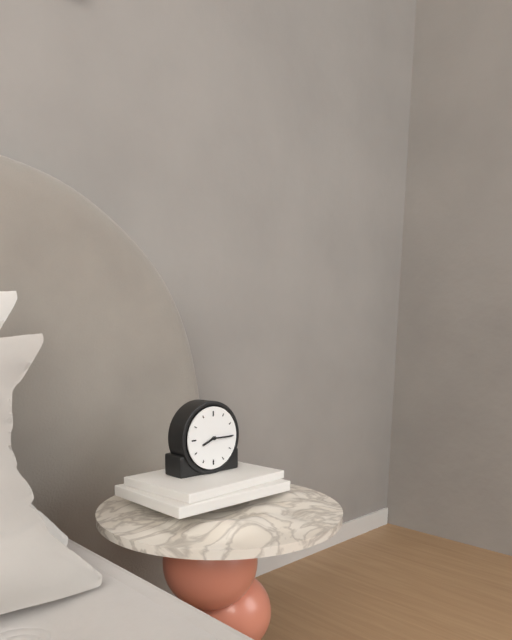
8:15
